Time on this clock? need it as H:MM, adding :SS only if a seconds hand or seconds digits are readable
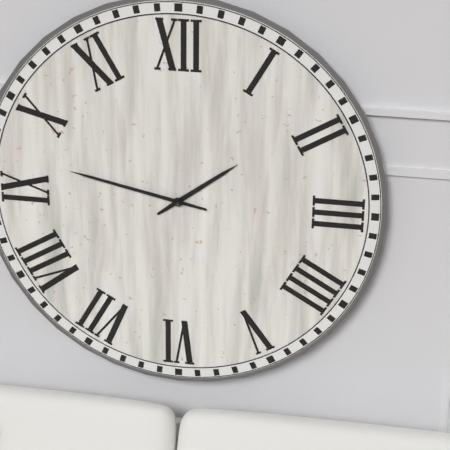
1:47
